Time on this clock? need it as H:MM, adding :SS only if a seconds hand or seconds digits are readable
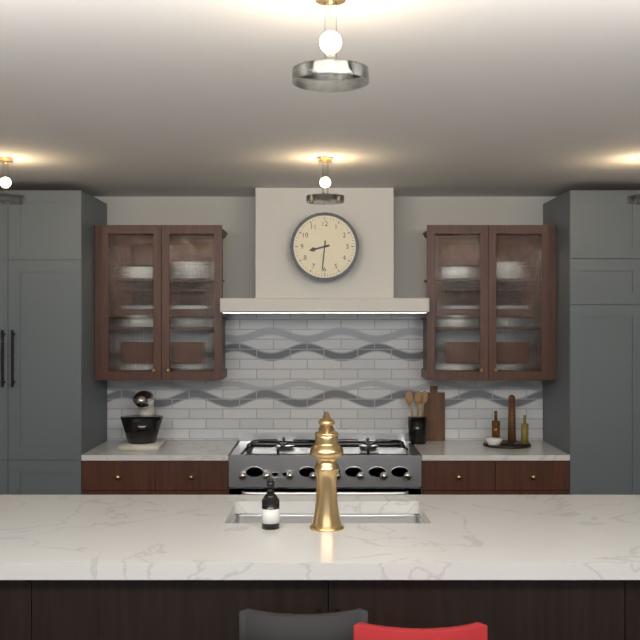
8:31
